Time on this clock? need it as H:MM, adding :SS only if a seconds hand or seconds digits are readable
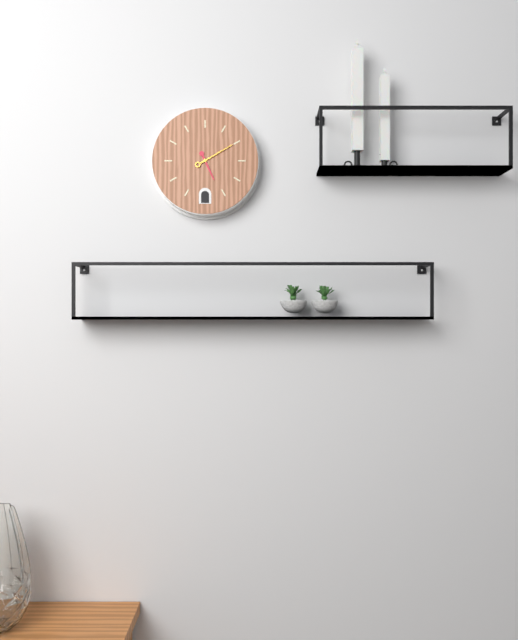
5:10
